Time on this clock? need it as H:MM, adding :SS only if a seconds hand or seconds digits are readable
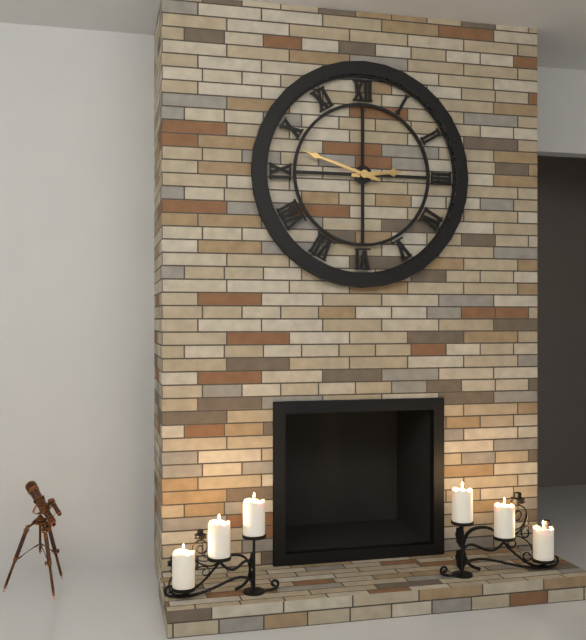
2:48
